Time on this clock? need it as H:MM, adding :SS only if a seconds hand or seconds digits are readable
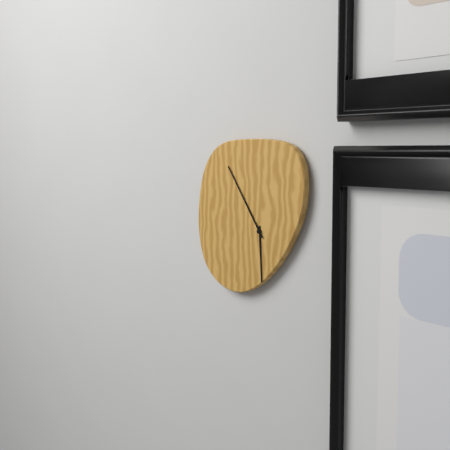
5:54
